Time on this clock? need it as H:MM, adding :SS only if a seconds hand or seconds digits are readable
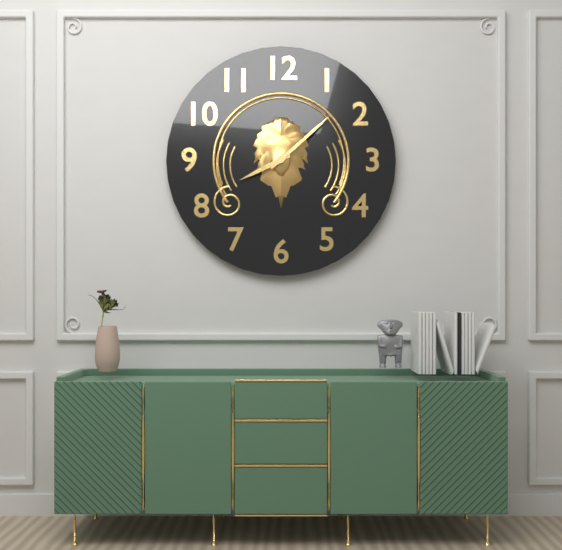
8:08
